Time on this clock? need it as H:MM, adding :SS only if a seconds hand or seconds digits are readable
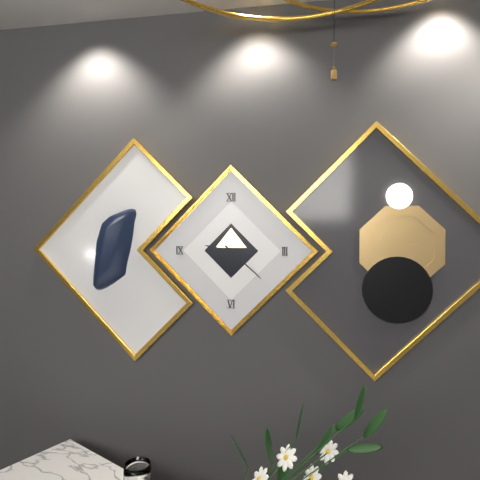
9:22
